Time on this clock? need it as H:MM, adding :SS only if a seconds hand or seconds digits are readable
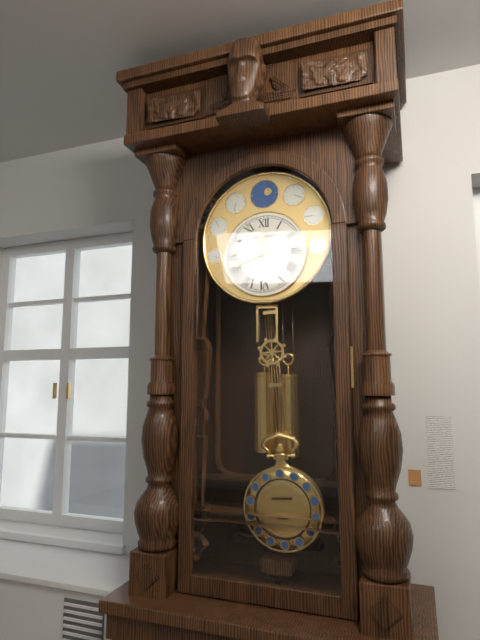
11:42
